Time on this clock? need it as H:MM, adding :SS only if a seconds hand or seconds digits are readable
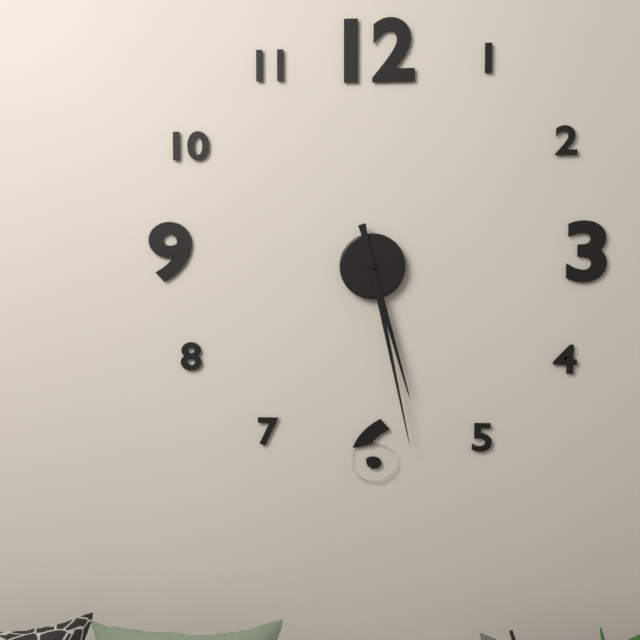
5:28
